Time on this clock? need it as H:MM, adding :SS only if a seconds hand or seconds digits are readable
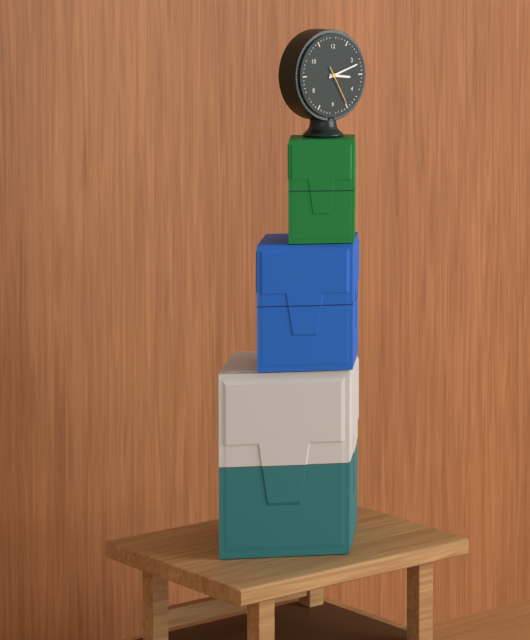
3:12
